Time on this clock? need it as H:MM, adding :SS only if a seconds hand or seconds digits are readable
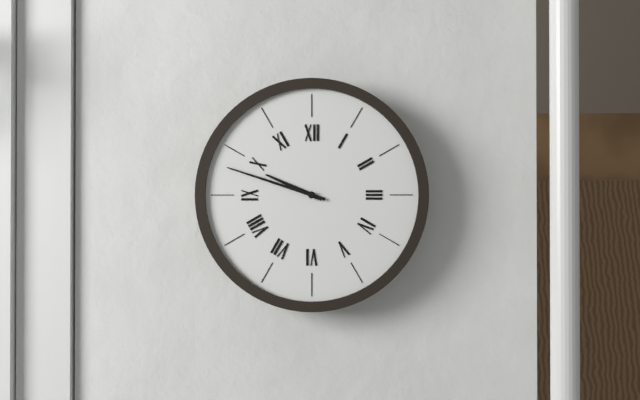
9:48
